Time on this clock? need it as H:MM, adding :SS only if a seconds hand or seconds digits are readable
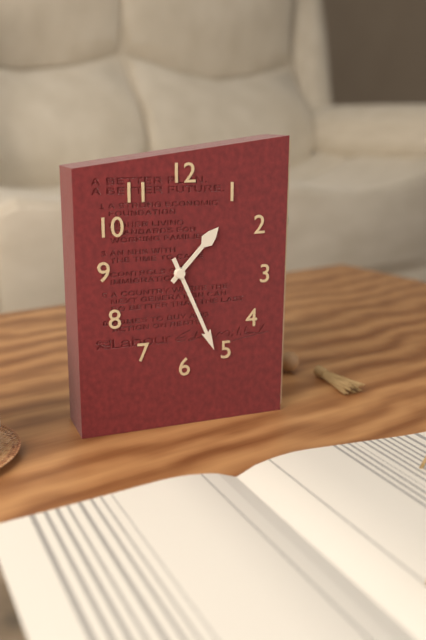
1:26
